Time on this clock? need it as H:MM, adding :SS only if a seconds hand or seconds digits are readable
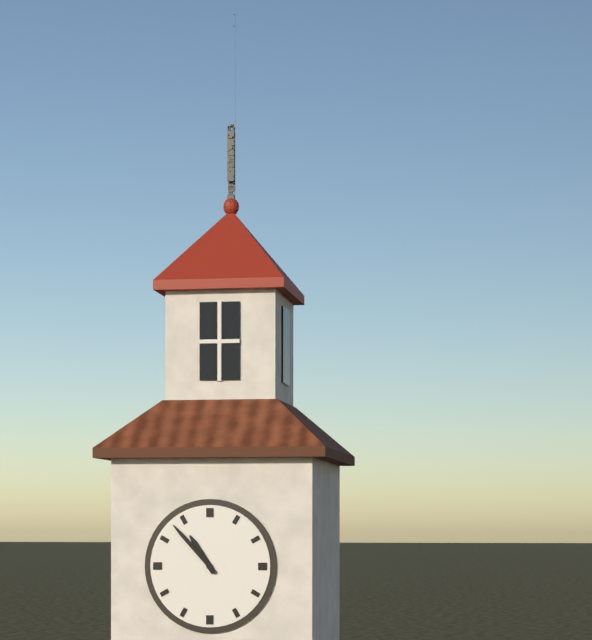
10:53
